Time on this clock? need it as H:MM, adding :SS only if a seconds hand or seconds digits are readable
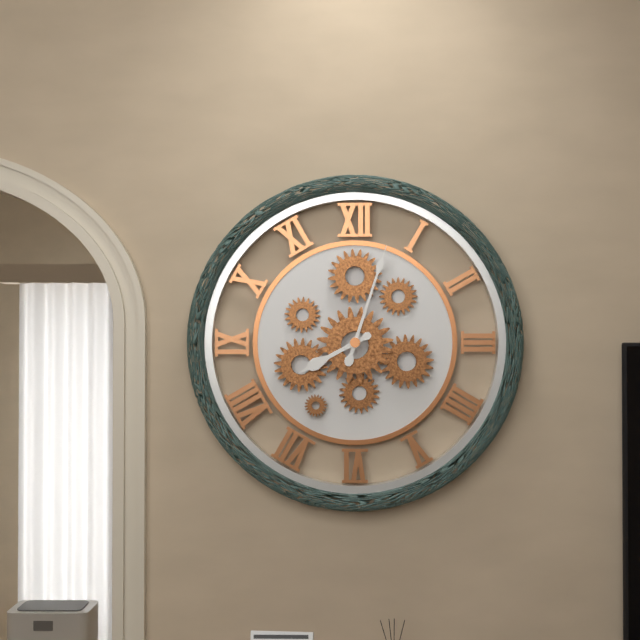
8:03
